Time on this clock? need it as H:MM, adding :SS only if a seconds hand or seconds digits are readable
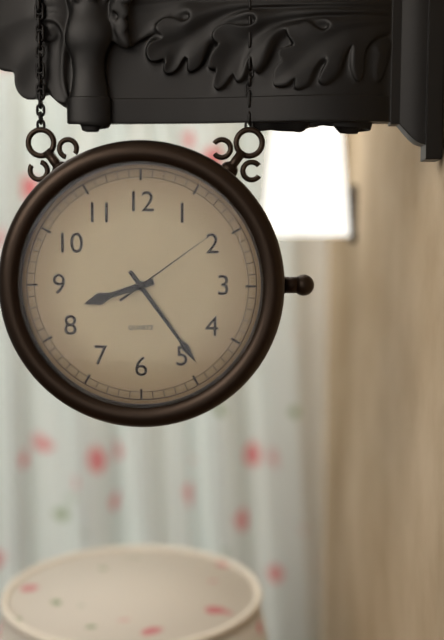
8:24:09
